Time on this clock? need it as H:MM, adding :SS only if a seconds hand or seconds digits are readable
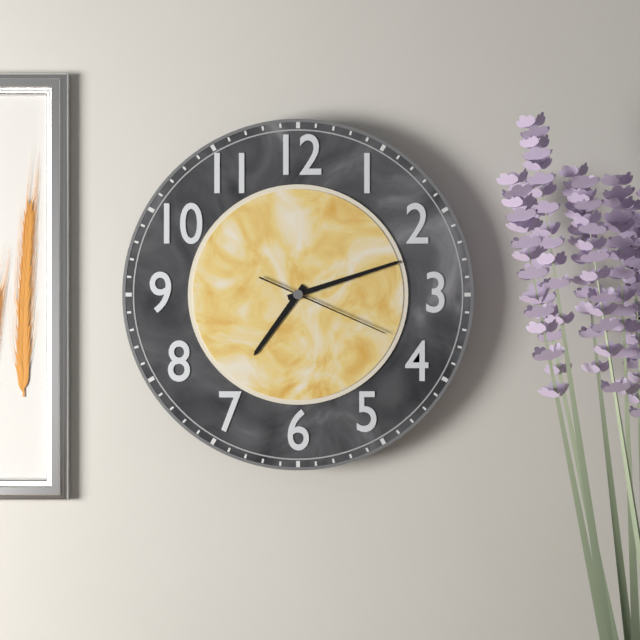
7:12:19
